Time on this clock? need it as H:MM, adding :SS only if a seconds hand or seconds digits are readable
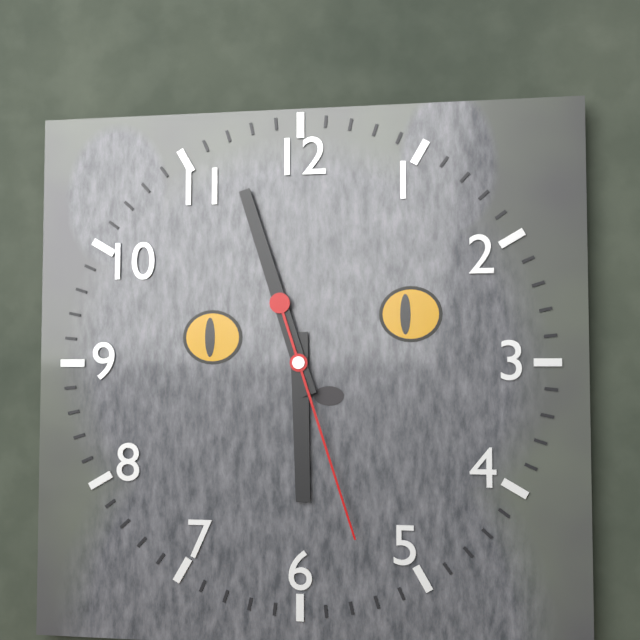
5:57:27
